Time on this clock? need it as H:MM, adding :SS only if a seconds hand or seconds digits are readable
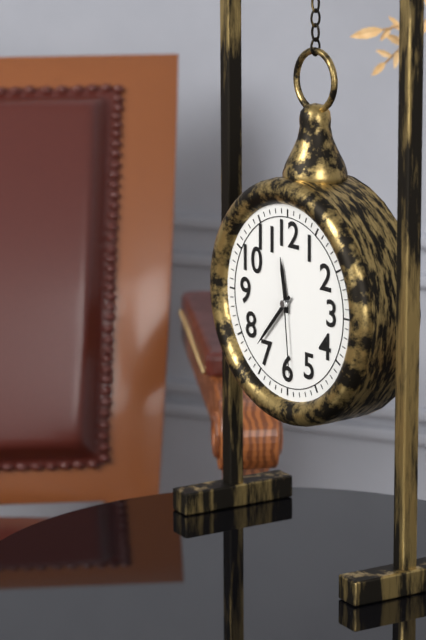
11:37:29
